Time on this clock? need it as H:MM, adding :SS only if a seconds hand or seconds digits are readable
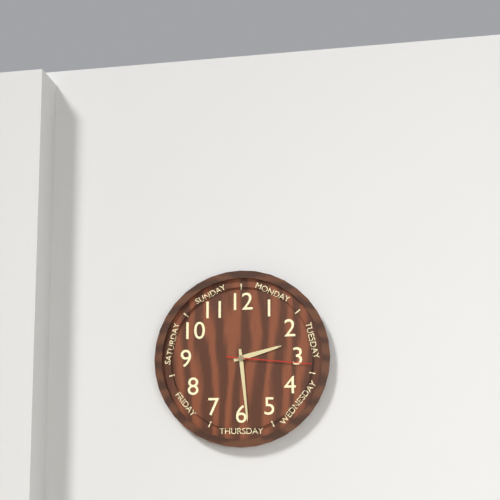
2:29:16
